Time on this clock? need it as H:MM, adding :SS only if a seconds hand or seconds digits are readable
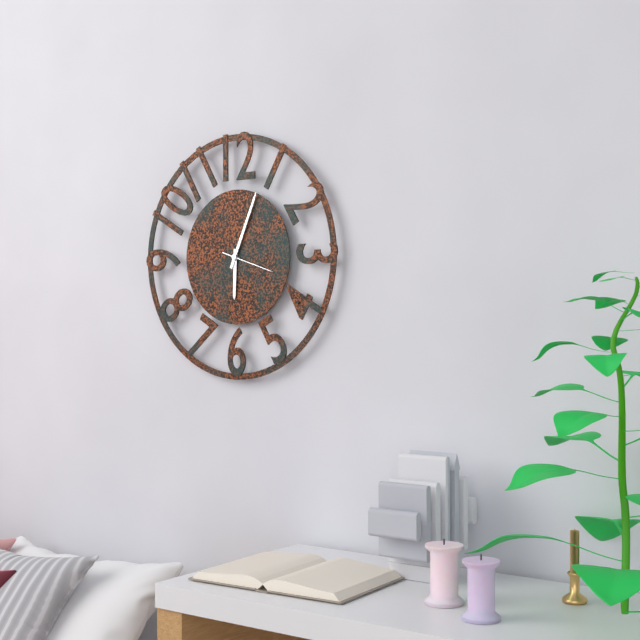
6:04
